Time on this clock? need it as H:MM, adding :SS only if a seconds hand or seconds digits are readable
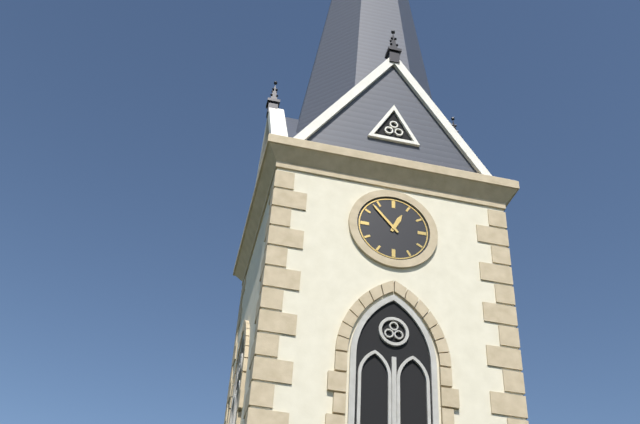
12:53
